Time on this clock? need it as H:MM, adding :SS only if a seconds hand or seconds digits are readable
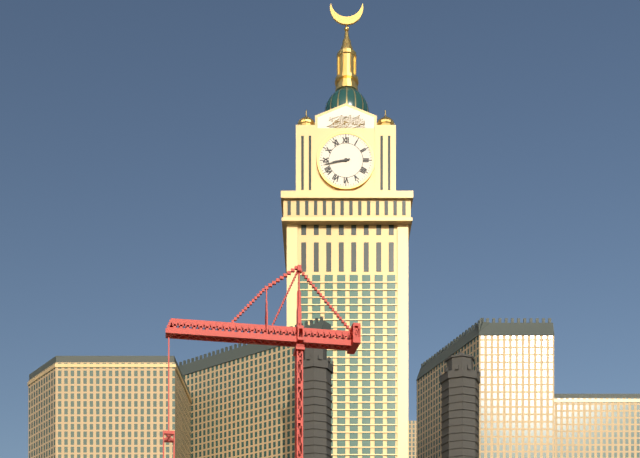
8:43
